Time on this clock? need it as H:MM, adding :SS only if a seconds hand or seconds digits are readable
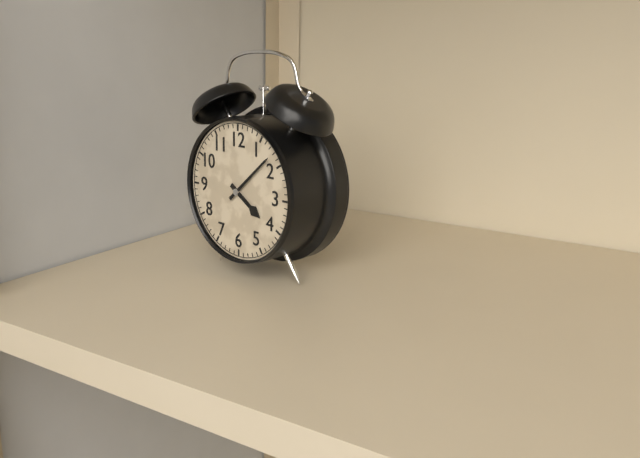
4:08
